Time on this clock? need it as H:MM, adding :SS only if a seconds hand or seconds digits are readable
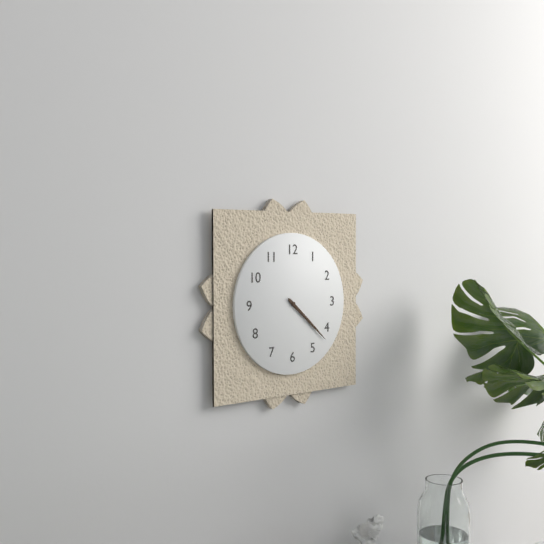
4:22
